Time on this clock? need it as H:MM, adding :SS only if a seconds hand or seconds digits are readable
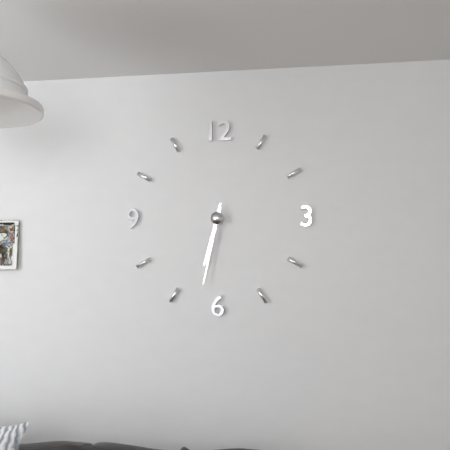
6:32
